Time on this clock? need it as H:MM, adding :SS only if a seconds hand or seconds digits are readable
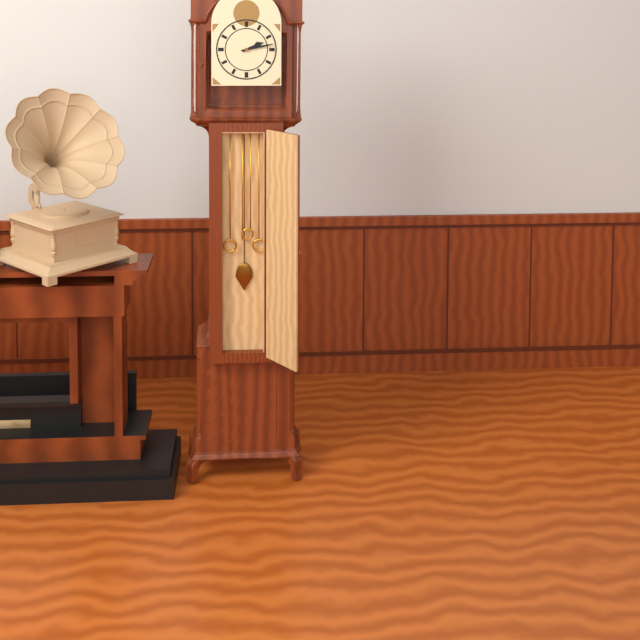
2:13
